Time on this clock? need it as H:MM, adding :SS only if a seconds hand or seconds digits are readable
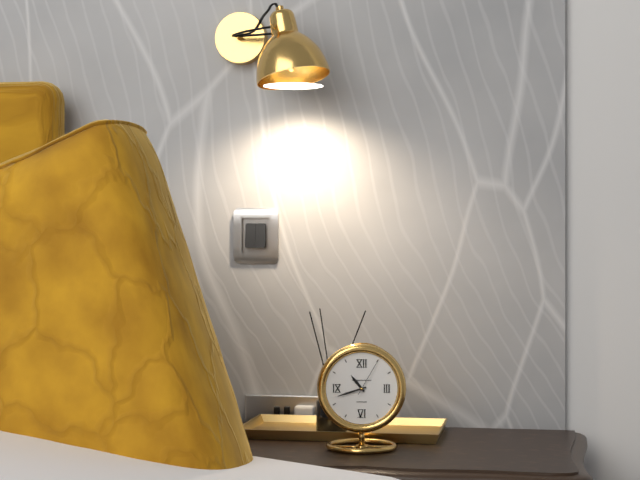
10:42
